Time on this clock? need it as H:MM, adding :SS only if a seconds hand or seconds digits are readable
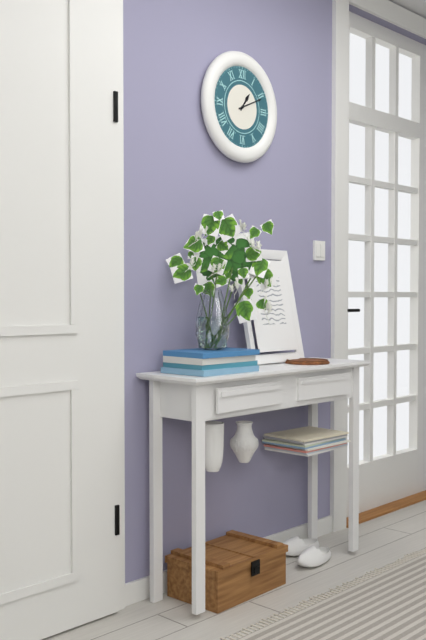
1:11
